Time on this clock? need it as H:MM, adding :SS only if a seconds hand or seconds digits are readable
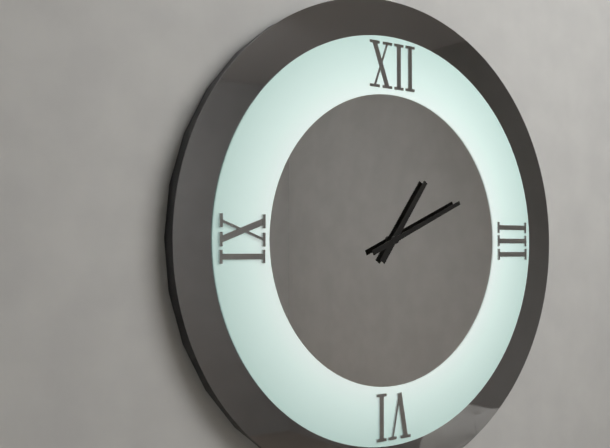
1:11
